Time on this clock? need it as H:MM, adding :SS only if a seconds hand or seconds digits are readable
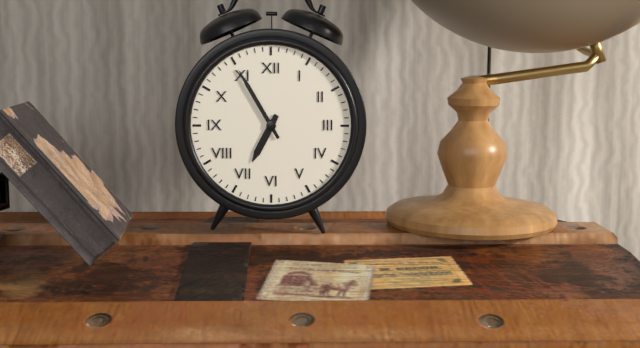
6:55
